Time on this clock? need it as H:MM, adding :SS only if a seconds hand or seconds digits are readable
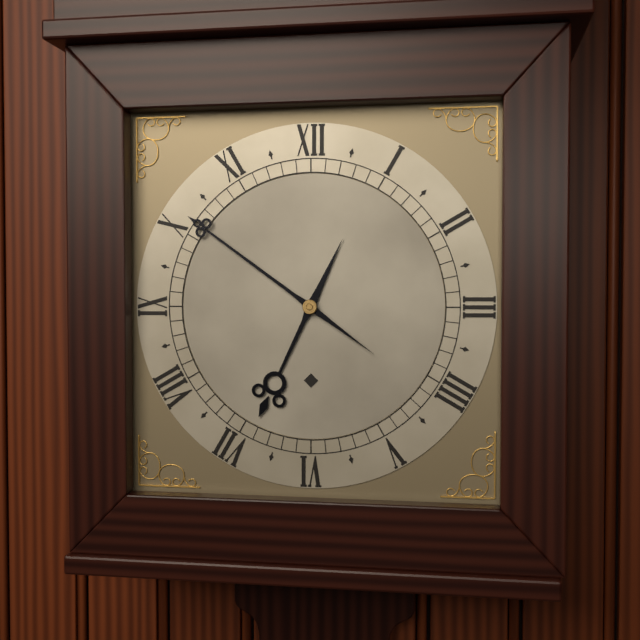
6:51
